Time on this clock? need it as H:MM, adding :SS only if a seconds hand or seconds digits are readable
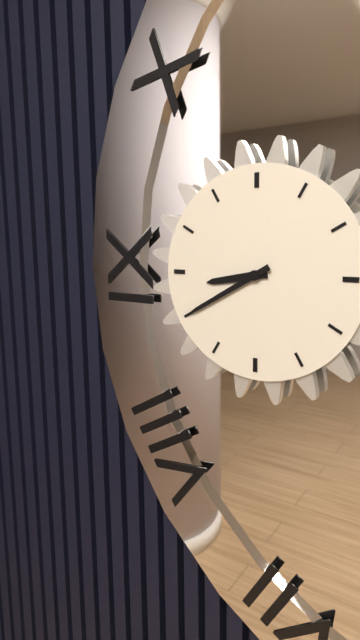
8:40
